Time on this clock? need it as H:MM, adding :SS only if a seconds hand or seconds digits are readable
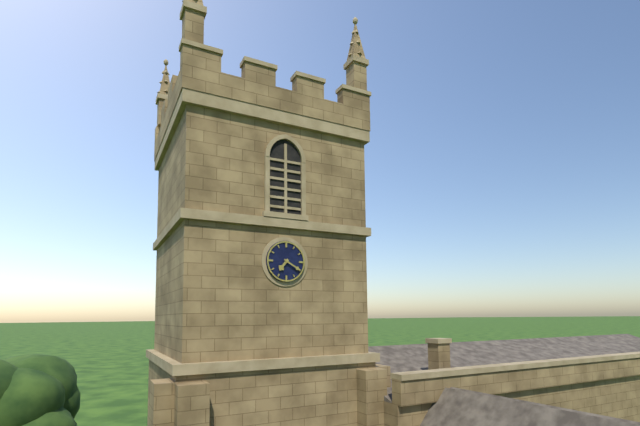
7:20
